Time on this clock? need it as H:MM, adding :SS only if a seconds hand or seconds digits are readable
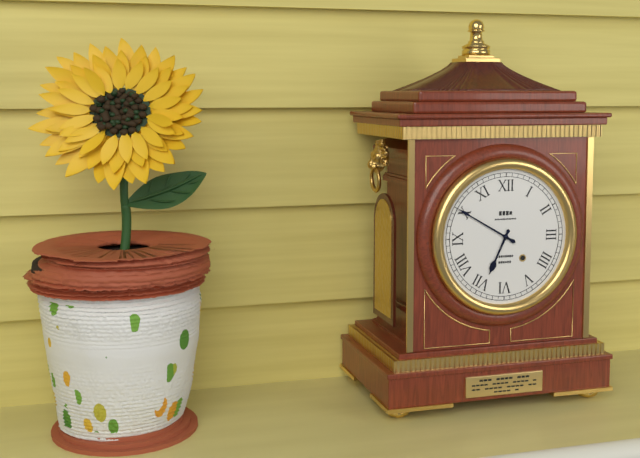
6:50
